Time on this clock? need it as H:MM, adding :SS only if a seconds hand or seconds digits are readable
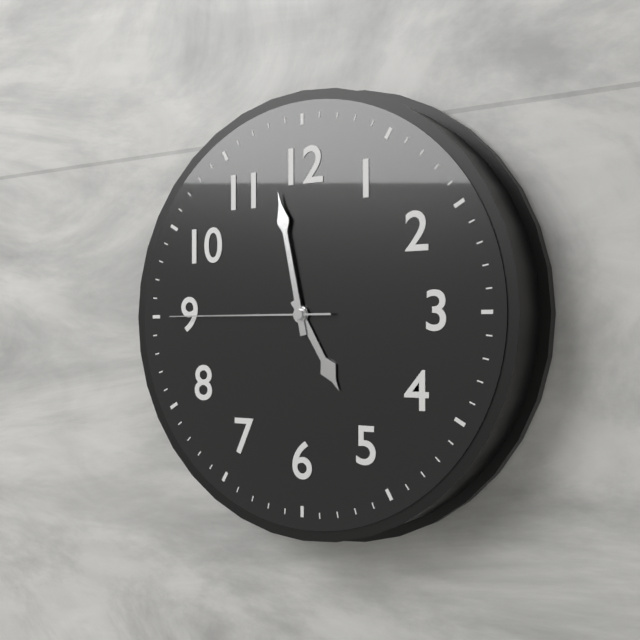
4:58:45
